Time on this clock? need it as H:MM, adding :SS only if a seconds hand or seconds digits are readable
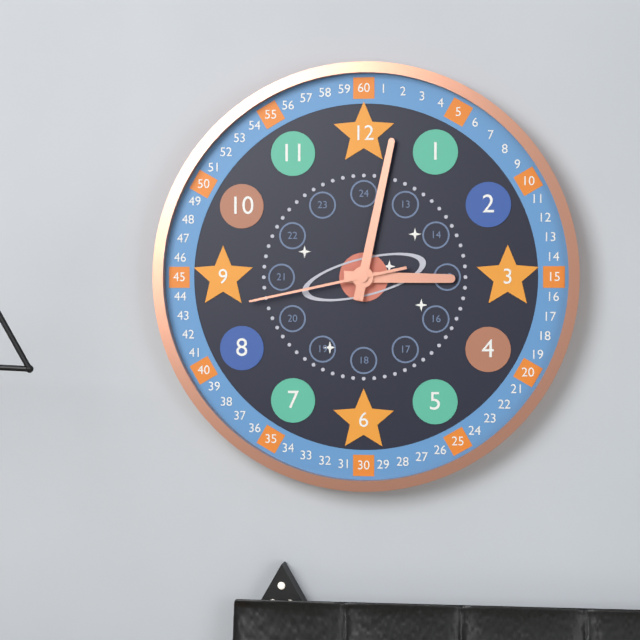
3:02:43
